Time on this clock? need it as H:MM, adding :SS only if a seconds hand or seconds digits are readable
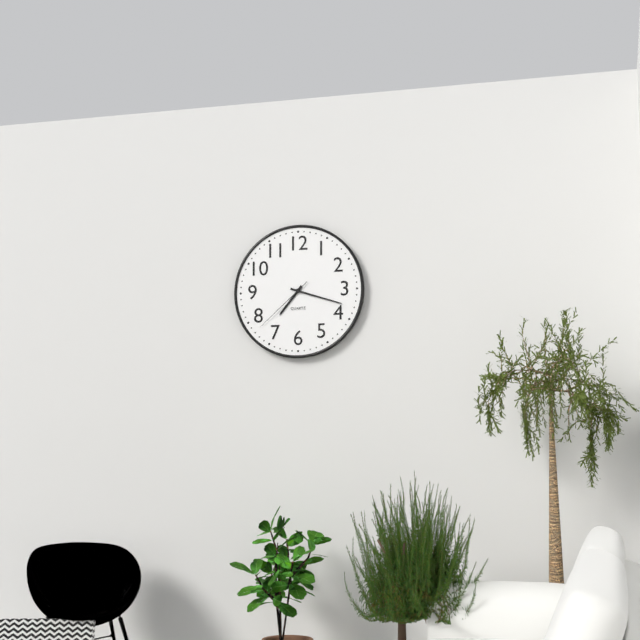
7:18:38
